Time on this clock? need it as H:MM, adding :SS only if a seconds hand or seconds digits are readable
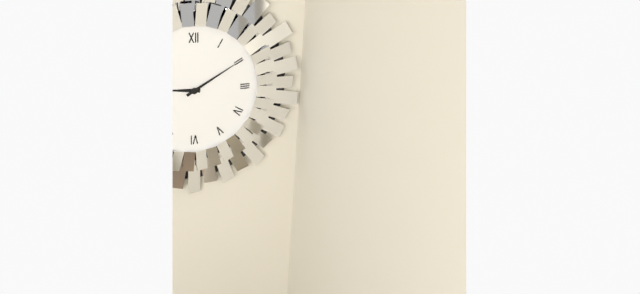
9:10
